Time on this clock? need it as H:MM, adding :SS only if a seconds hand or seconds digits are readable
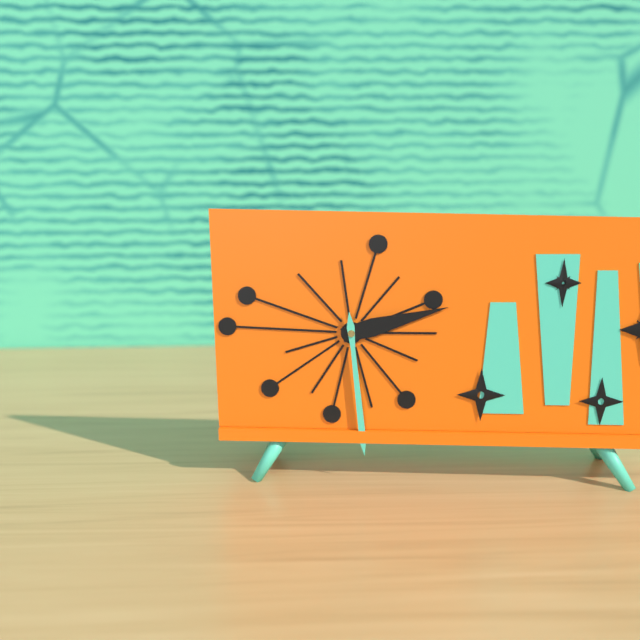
2:29
